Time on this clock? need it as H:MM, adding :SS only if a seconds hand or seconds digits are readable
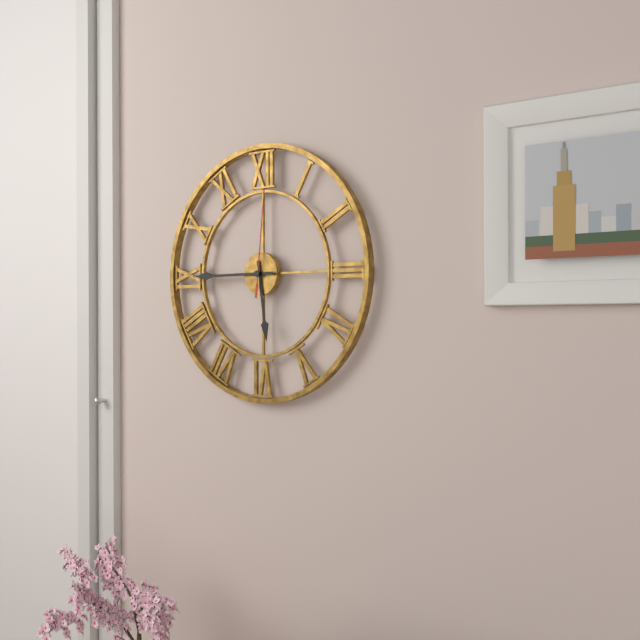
5:45:01
